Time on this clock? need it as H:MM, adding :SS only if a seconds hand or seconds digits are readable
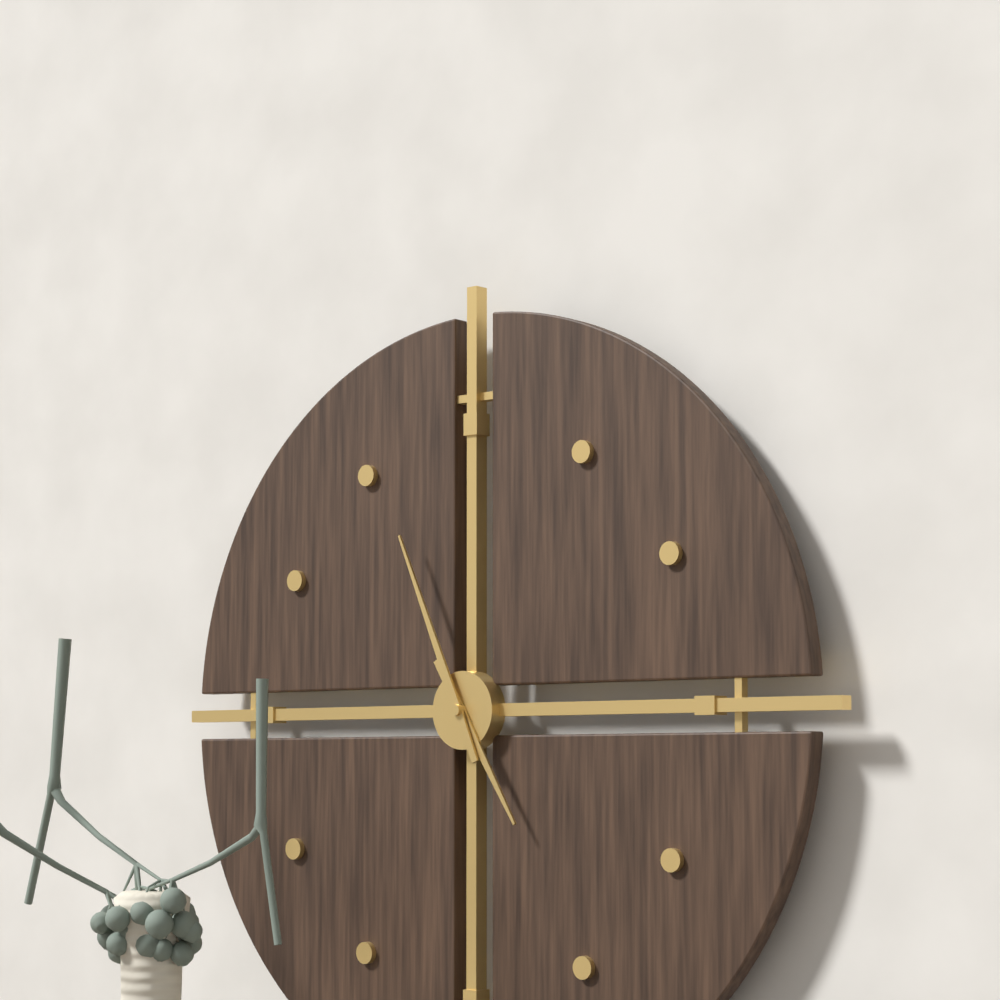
4:56
